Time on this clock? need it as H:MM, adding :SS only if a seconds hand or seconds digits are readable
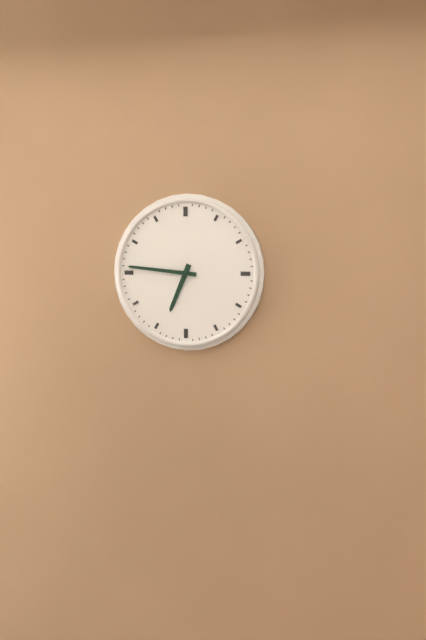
6:46
